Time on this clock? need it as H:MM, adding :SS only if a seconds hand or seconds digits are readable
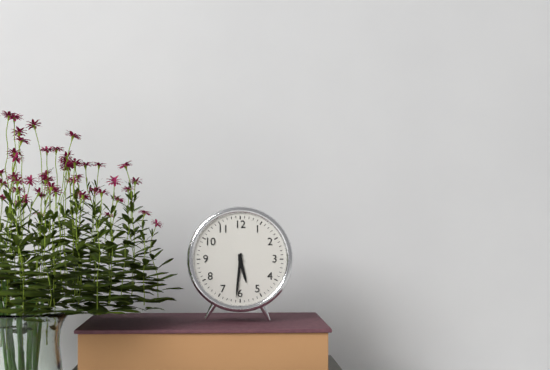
5:31
